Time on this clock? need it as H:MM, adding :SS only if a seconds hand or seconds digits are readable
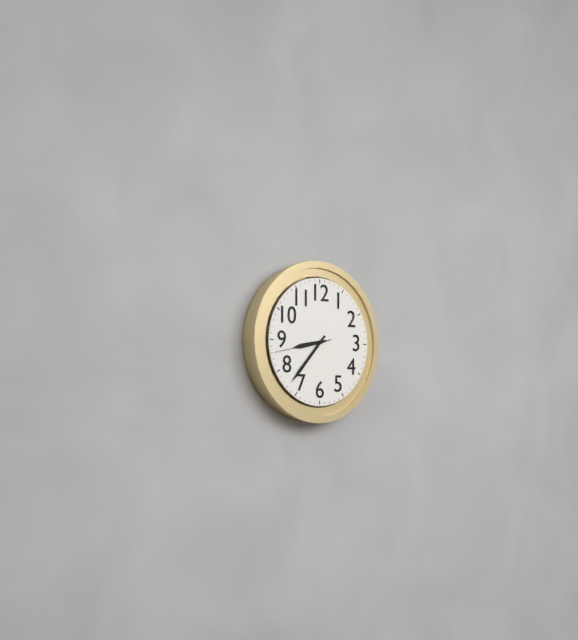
8:37:43
